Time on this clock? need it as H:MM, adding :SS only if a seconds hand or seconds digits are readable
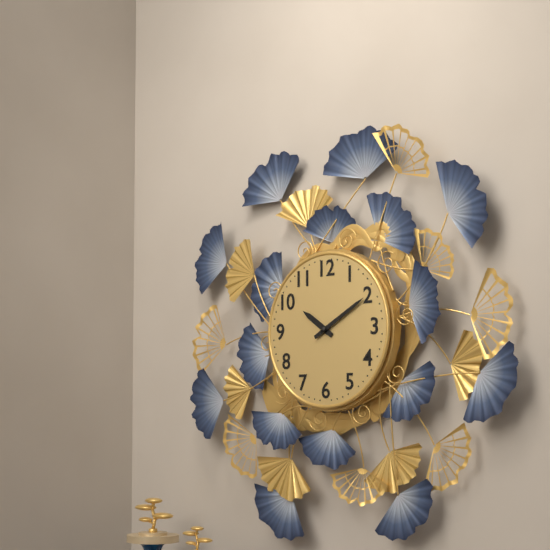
10:10
